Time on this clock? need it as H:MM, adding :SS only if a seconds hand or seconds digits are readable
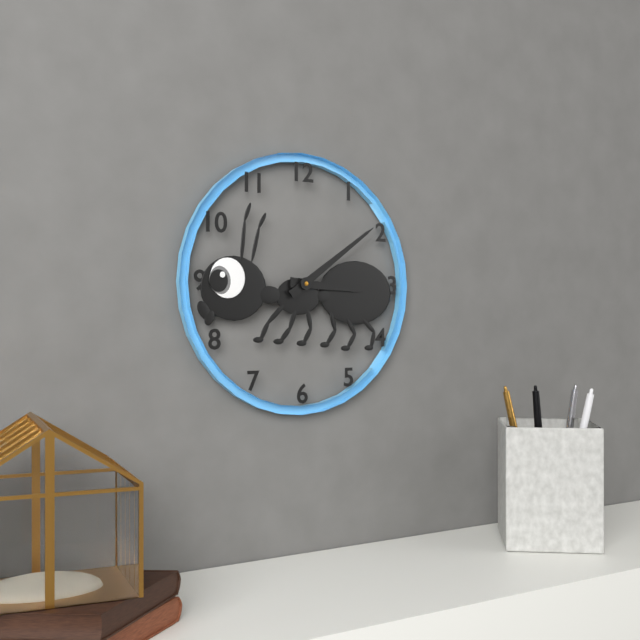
3:09
